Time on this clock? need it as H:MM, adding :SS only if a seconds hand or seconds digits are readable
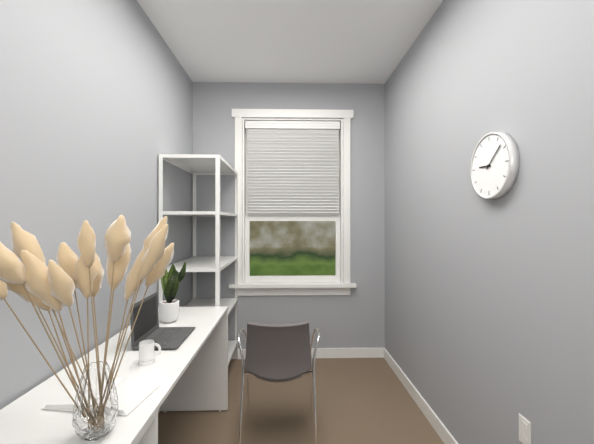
9:08
